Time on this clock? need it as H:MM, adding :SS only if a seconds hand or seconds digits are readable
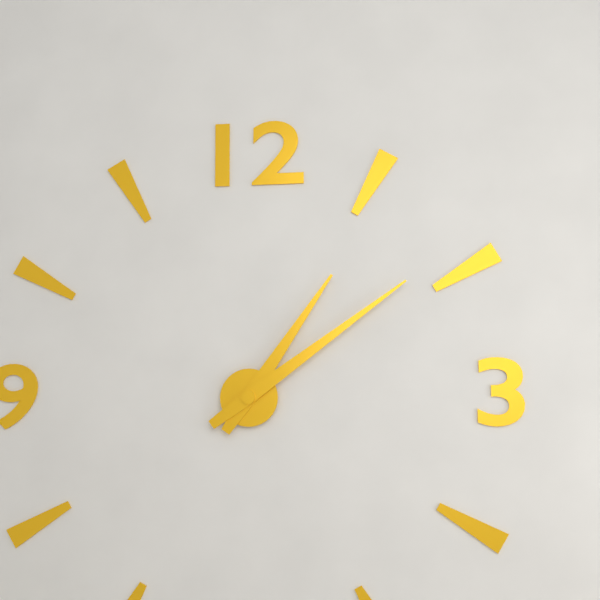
1:09
